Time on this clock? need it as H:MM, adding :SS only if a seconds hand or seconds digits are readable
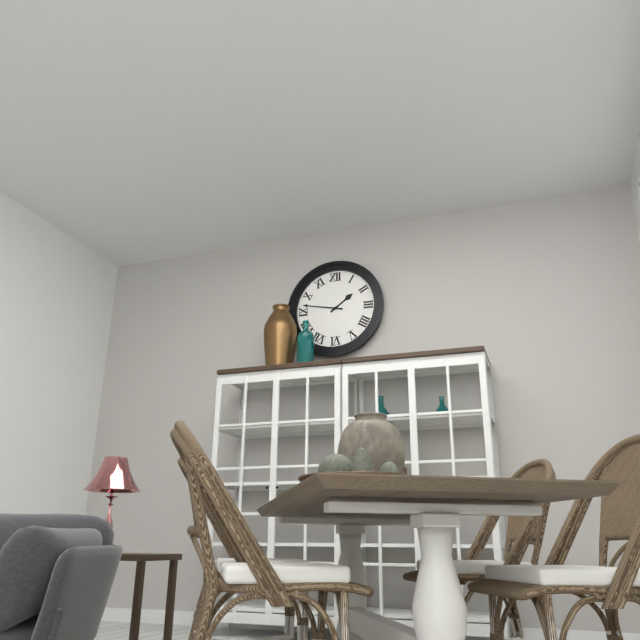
1:47
